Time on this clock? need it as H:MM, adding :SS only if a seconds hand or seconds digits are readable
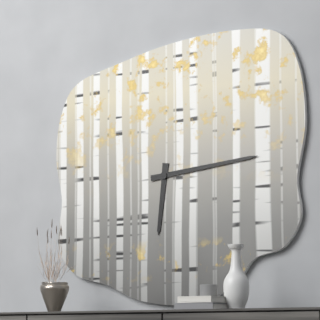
6:14
